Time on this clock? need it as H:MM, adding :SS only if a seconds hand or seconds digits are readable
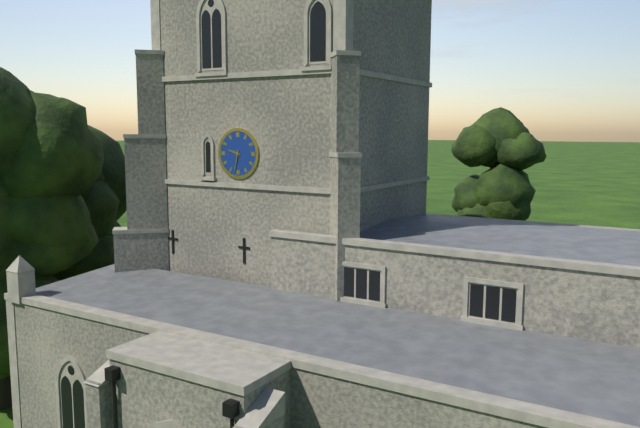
9:32
